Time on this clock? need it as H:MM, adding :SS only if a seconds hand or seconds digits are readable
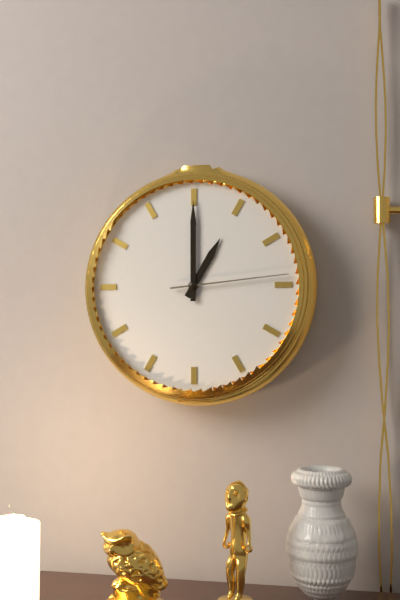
1:00:14
